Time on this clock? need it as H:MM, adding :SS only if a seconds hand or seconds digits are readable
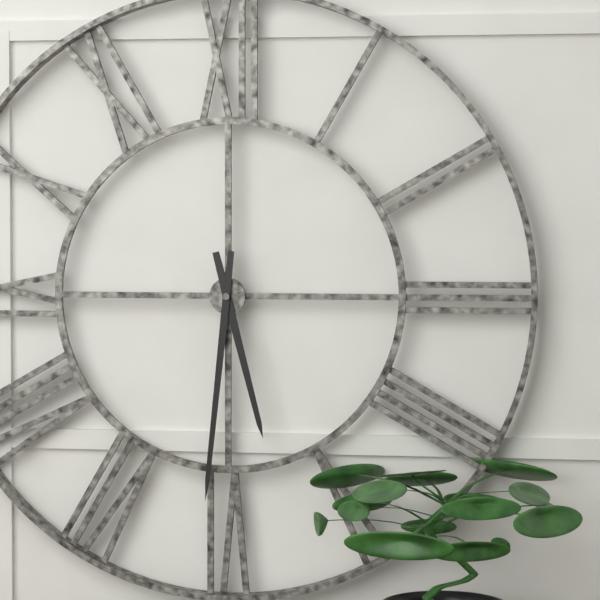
5:31
